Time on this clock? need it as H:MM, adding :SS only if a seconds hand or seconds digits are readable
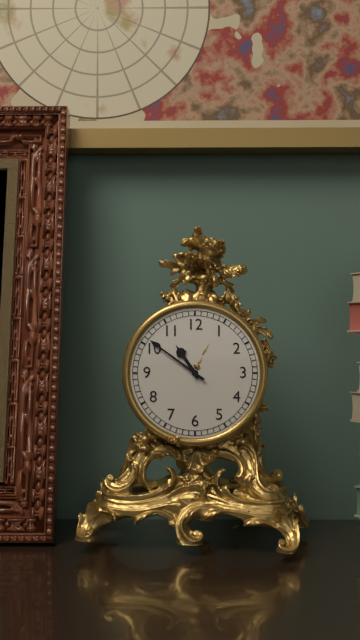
10:51
